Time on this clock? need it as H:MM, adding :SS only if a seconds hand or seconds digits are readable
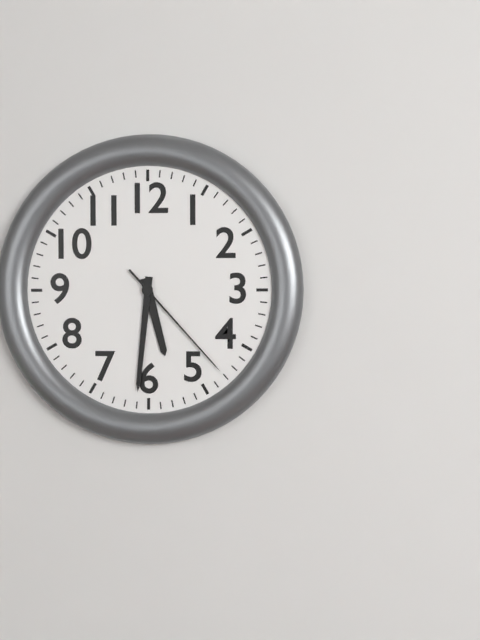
5:31:23
